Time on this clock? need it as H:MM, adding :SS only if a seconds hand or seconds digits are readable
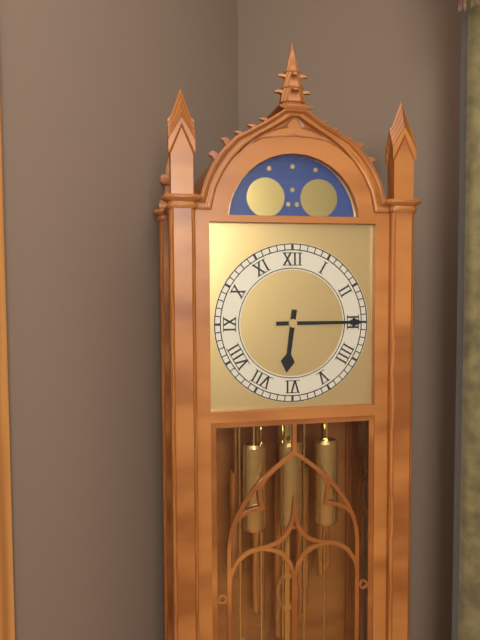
6:15
